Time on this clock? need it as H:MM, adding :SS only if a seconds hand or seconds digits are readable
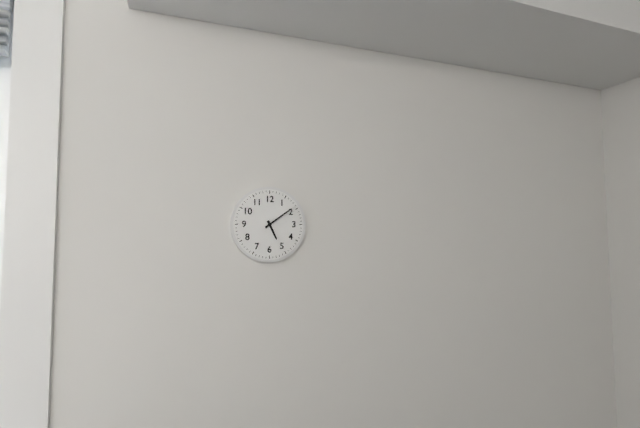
5:09
